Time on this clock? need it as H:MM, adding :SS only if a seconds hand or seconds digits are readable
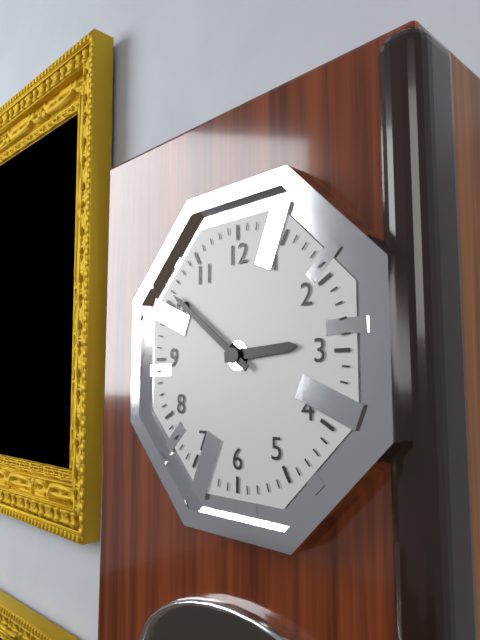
2:51
